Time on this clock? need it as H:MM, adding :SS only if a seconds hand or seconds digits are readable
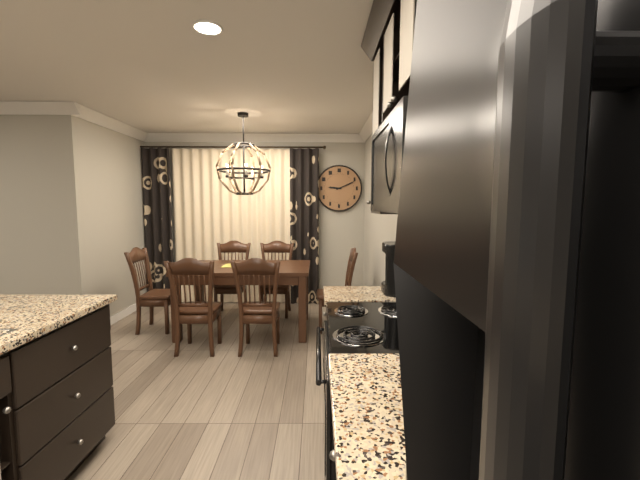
9:11
